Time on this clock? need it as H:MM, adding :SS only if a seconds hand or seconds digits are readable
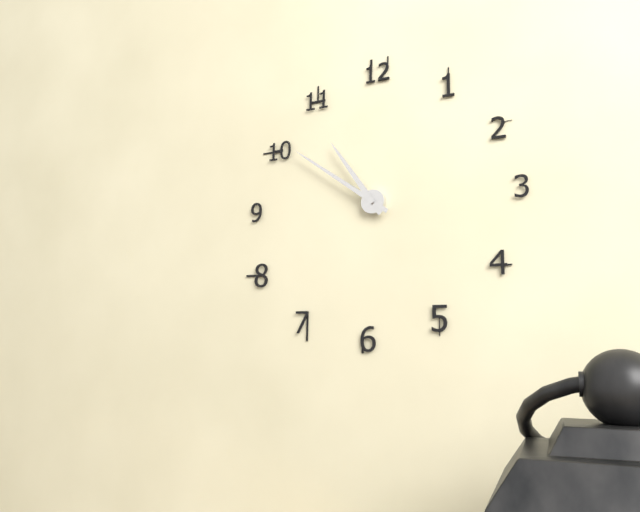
10:51
